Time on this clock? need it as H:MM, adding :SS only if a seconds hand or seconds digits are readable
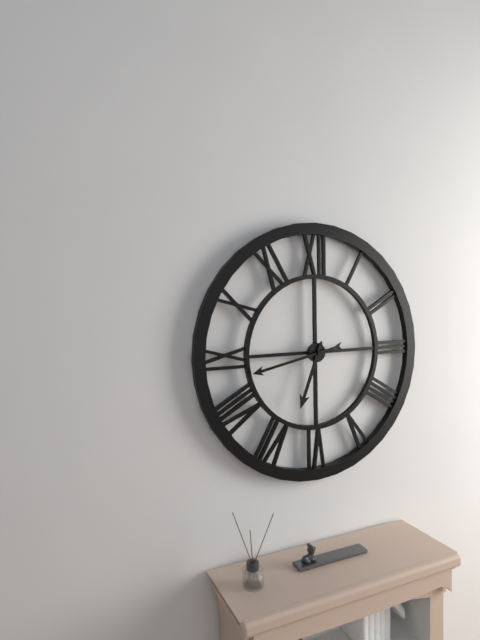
6:43
